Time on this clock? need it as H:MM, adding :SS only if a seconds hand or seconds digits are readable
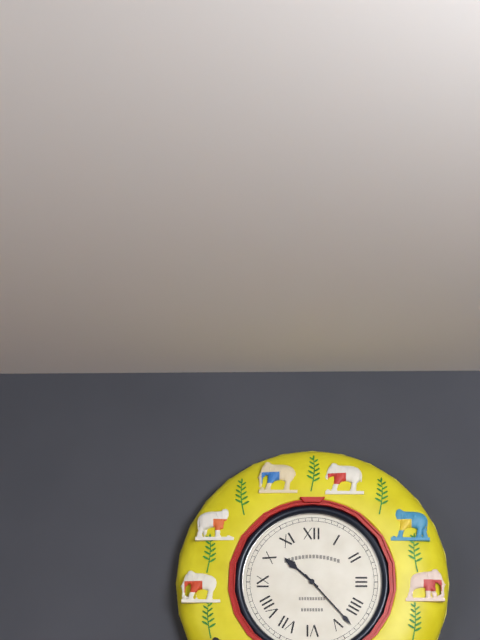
10:23
